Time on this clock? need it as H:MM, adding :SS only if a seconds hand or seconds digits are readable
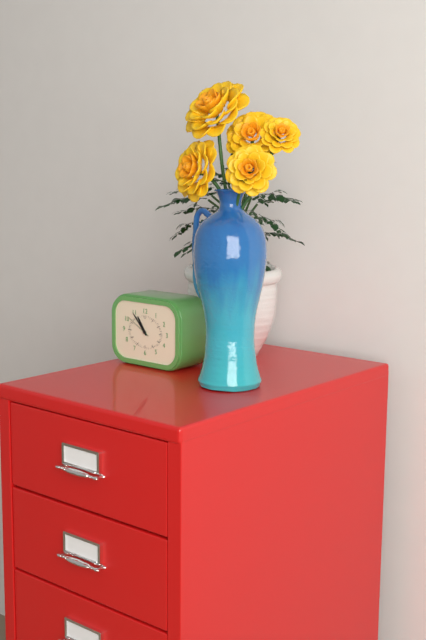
10:53
